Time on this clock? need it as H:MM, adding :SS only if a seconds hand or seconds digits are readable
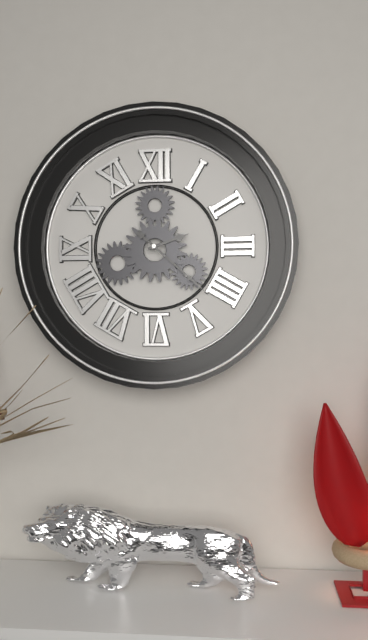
2:22
